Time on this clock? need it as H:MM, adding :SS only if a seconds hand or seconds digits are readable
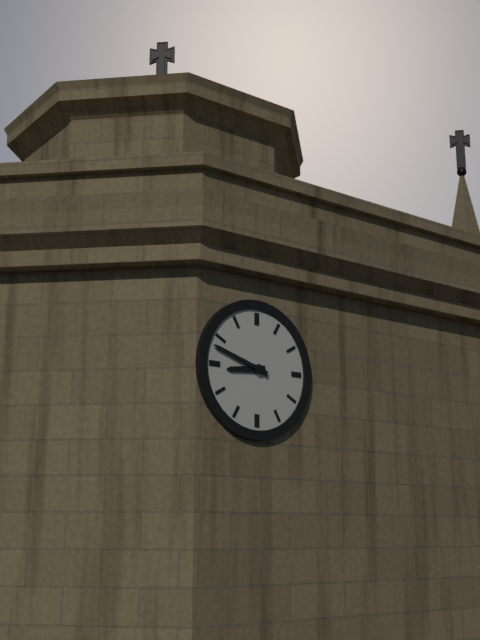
8:48
